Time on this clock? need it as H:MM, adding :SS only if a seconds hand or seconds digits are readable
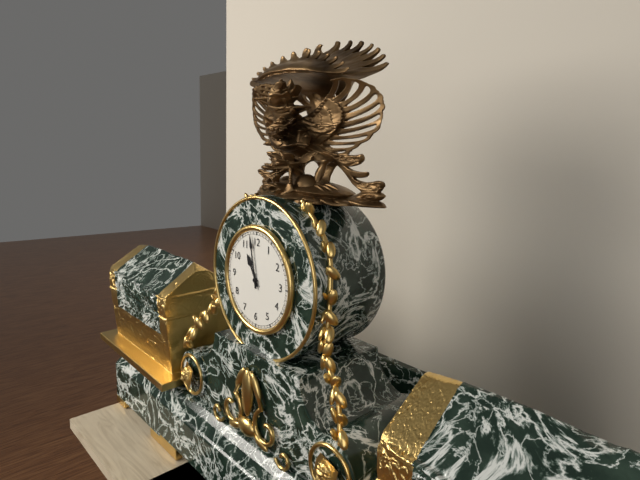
10:58
